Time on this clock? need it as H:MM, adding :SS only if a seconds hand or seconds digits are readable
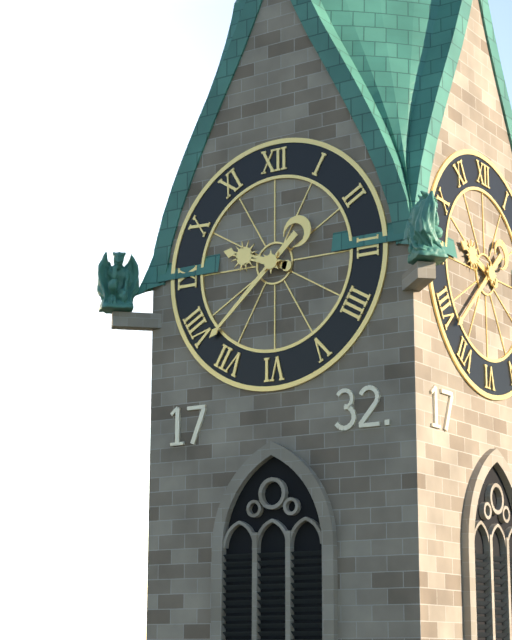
9:38
